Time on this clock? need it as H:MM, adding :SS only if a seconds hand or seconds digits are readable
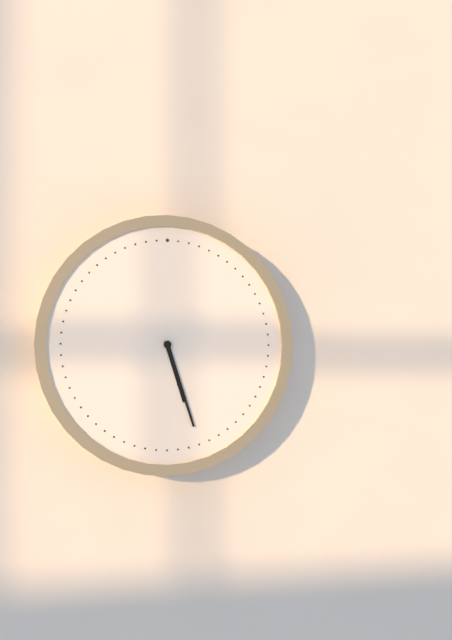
5:27
